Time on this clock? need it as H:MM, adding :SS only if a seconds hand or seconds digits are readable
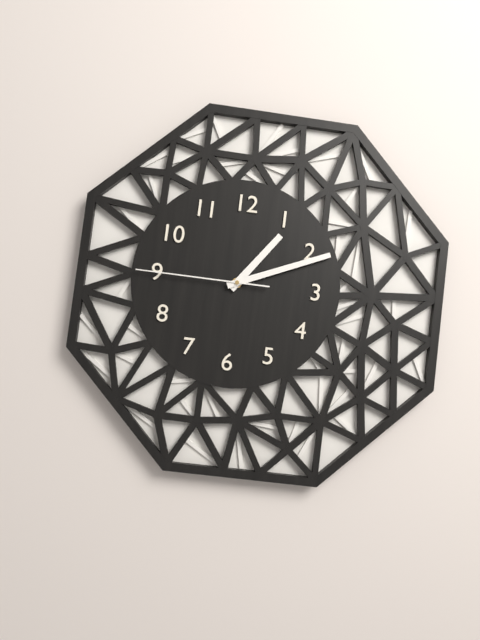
1:11:45
